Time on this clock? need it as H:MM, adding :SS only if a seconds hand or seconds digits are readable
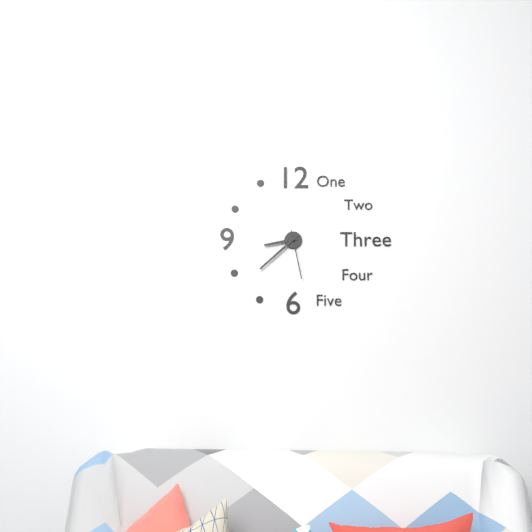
8:38:28
